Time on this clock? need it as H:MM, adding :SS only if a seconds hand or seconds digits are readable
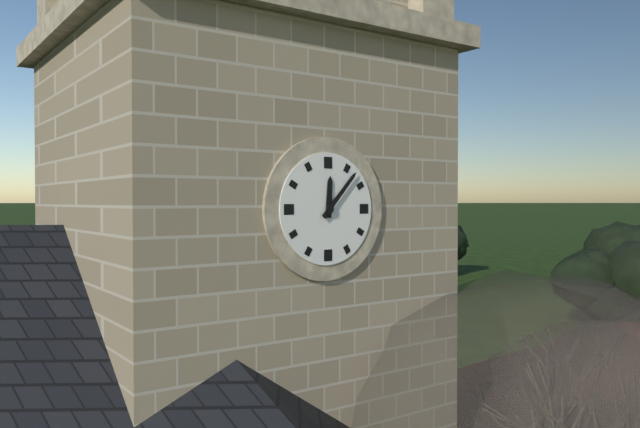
12:07
